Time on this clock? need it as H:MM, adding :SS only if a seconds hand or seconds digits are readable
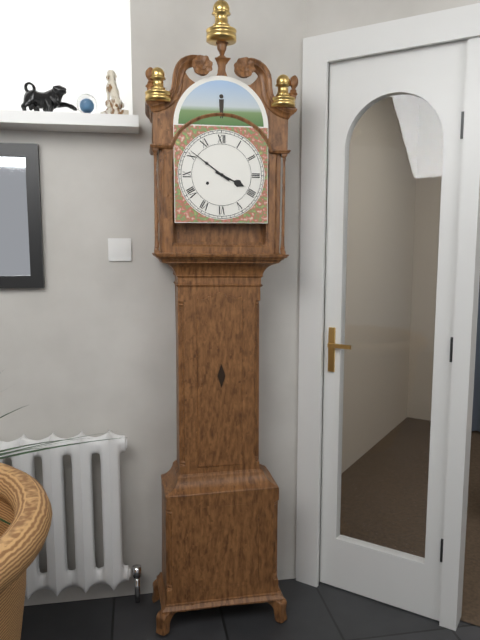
3:51
